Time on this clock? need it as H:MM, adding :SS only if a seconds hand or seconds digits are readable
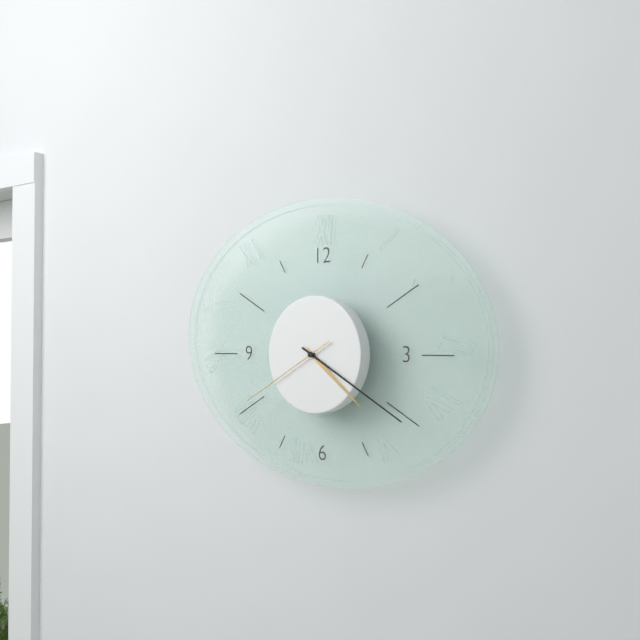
4:20:40
